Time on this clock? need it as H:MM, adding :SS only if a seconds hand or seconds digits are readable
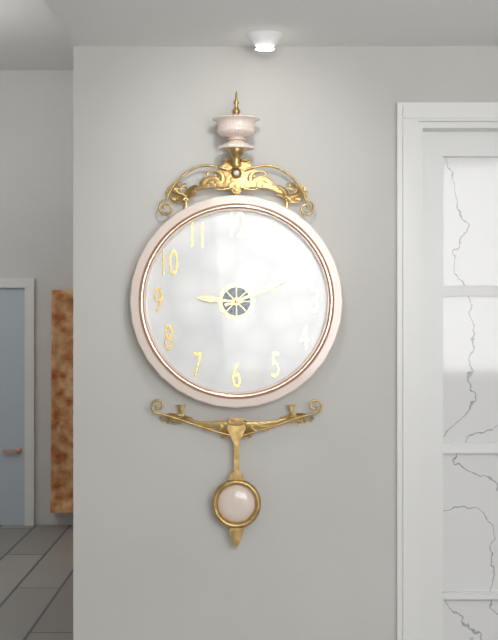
9:11:12
